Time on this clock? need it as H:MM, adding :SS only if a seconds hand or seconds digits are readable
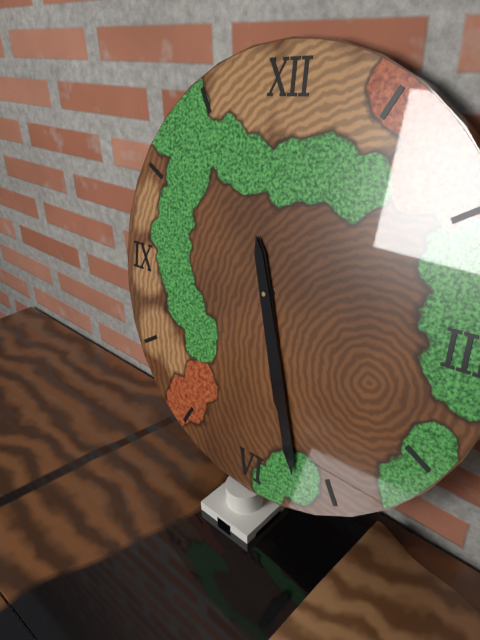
5:27
